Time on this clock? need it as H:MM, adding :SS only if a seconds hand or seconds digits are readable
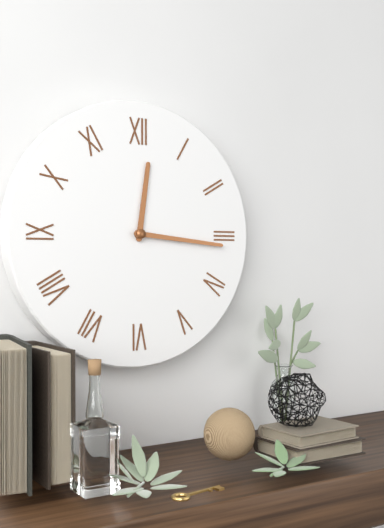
12:16
